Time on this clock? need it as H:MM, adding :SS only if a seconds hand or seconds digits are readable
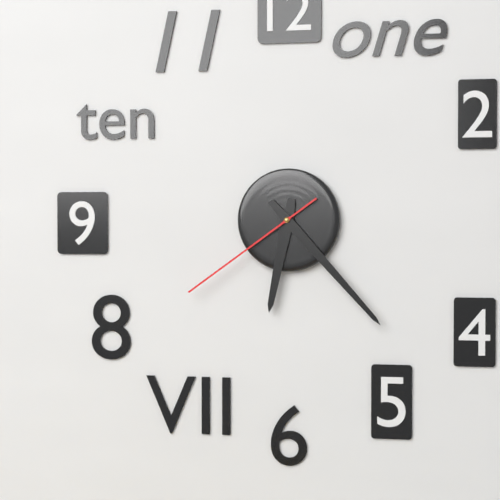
6:23:39
